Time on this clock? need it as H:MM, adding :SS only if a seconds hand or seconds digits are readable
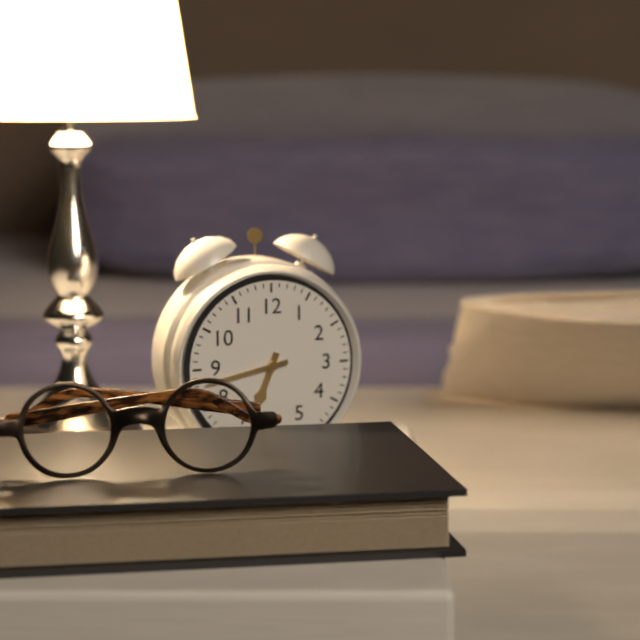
6:43
